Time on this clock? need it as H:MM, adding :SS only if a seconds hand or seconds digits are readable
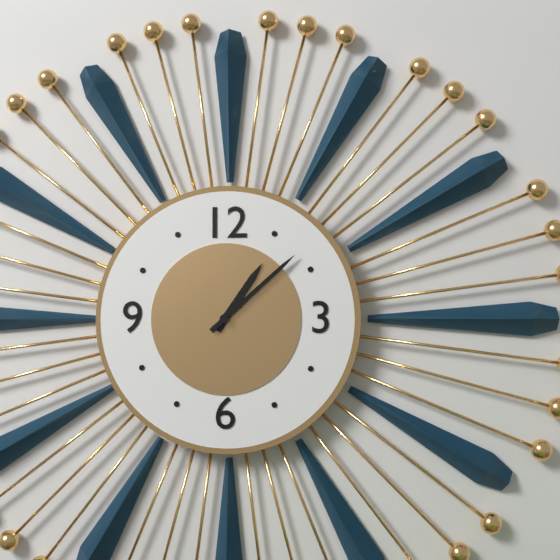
1:08
